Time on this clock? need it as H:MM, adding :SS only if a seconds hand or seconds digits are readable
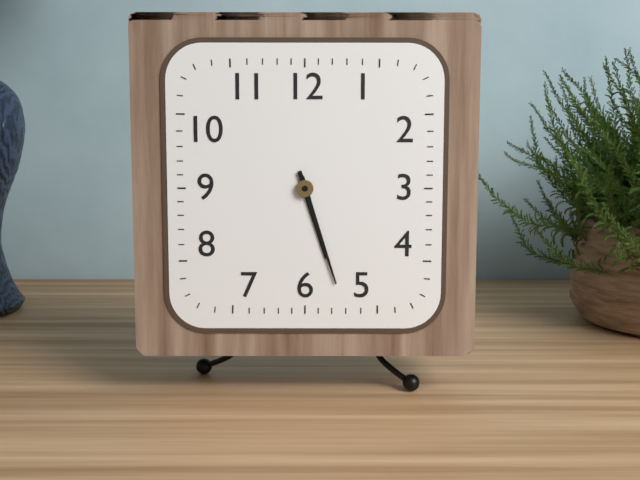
5:27
